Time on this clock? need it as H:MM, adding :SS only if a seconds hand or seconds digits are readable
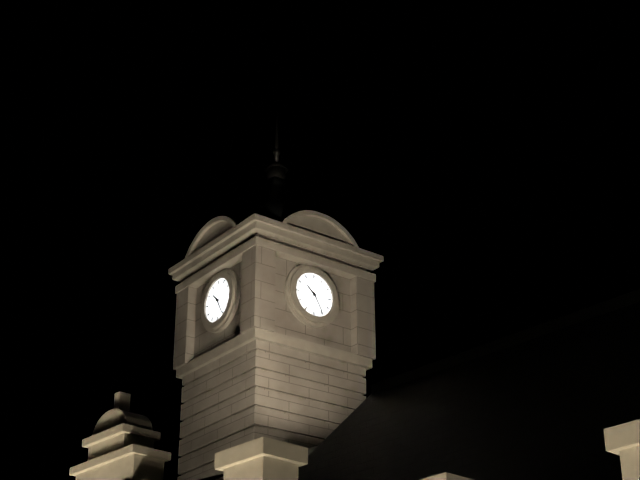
10:25
